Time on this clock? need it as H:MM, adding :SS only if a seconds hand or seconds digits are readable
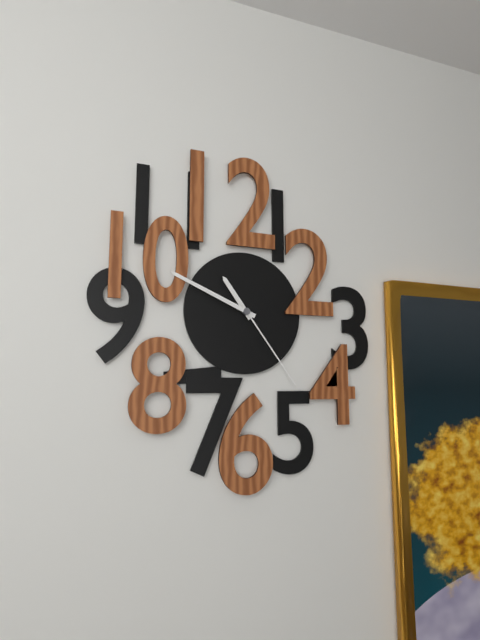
10:49:24
